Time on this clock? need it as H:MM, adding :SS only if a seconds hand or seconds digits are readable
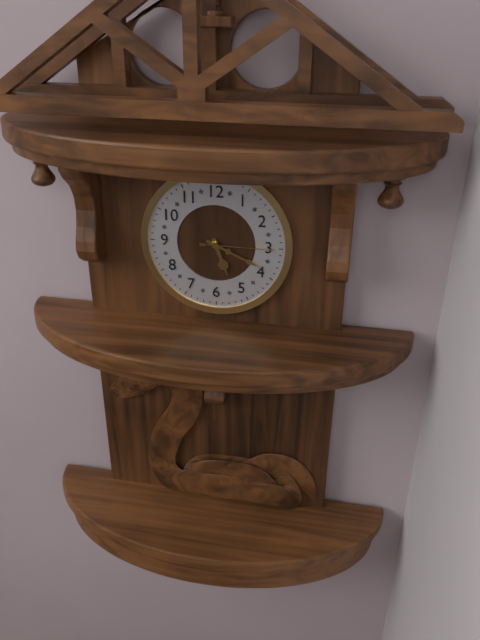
5:19:15
